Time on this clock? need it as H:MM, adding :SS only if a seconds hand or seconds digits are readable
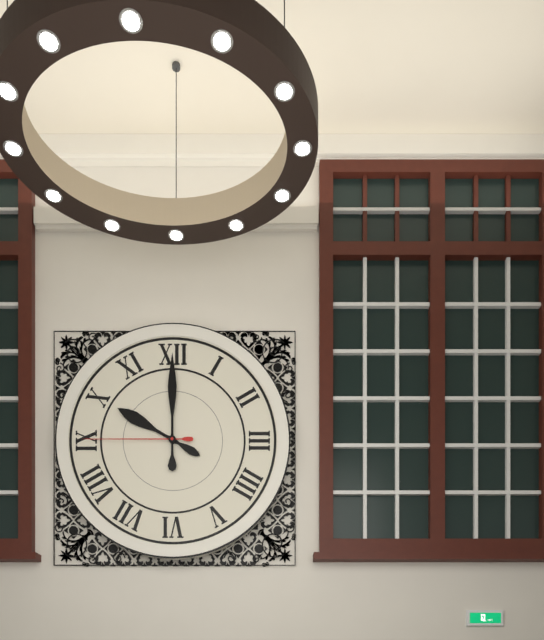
10:00:45
